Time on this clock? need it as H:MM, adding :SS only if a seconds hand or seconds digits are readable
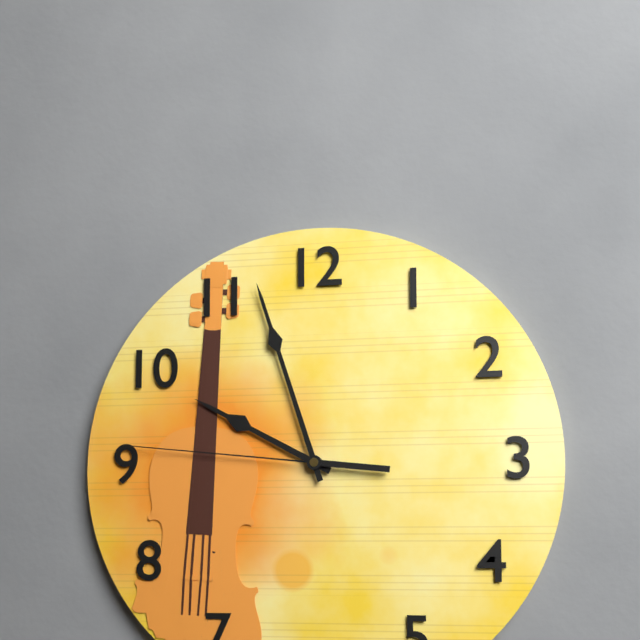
9:57:46
